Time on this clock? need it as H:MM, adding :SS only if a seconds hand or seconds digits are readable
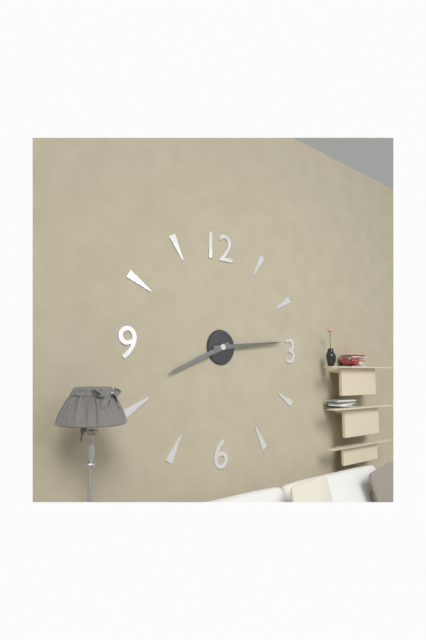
8:14
